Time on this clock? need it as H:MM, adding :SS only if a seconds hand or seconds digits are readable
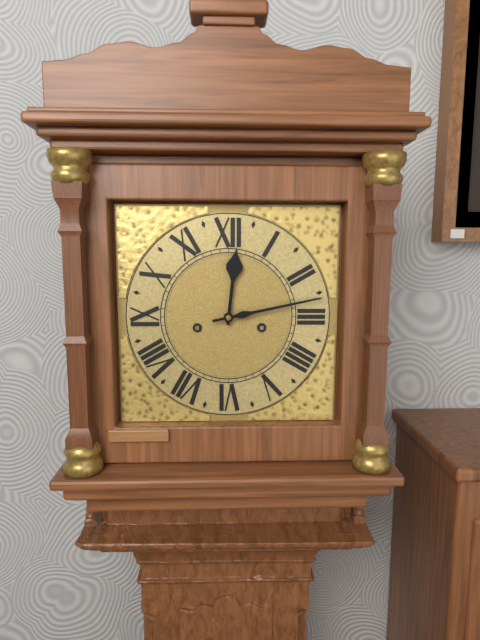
12:13
